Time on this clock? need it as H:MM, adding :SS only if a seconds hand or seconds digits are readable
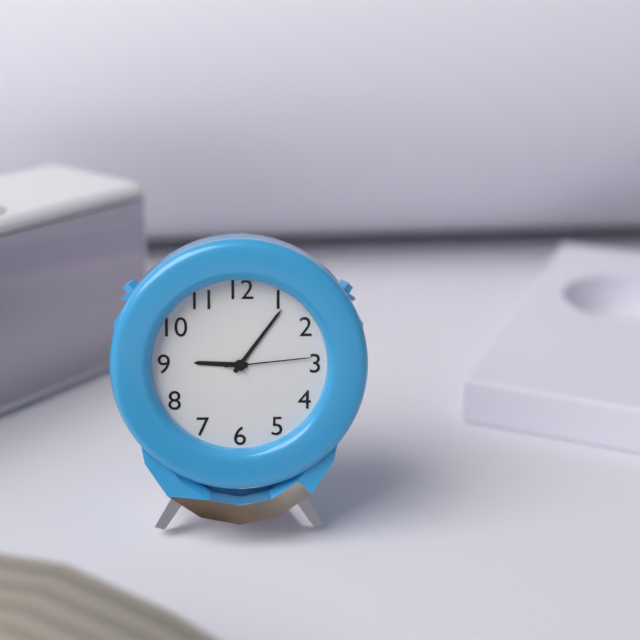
9:06:14
